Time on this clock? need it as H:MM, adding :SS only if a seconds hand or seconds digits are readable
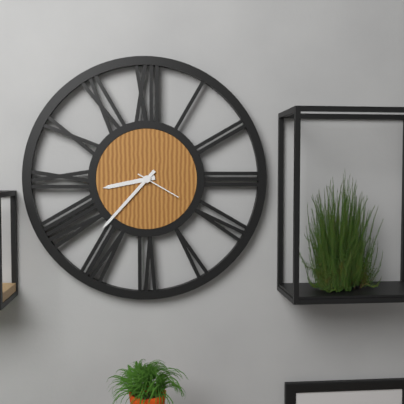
8:37
